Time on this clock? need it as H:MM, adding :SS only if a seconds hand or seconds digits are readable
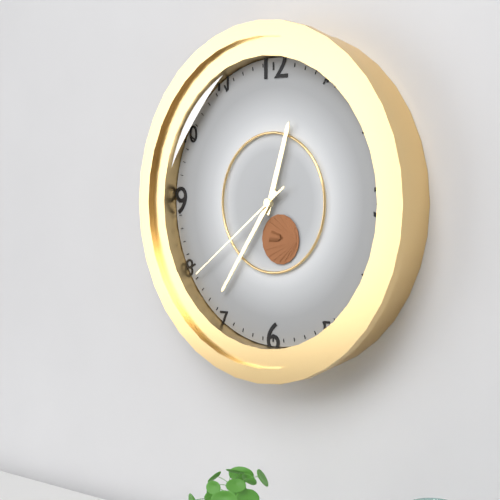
12:36:39
